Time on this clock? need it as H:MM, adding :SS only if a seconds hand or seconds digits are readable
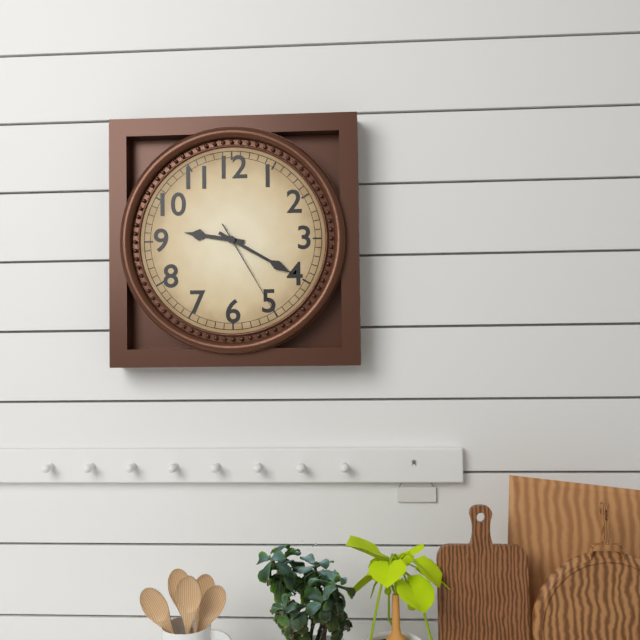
9:20:25
